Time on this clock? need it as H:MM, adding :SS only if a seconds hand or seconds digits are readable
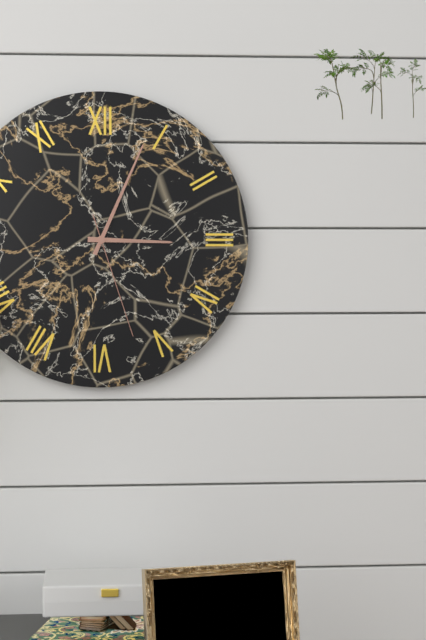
3:04:27
